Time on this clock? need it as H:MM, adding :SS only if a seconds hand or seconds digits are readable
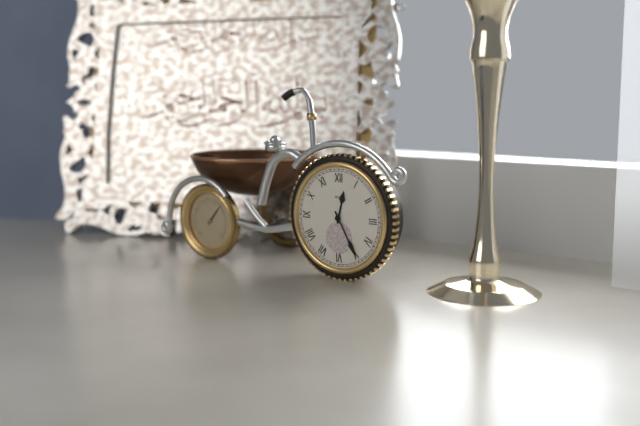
12:25
